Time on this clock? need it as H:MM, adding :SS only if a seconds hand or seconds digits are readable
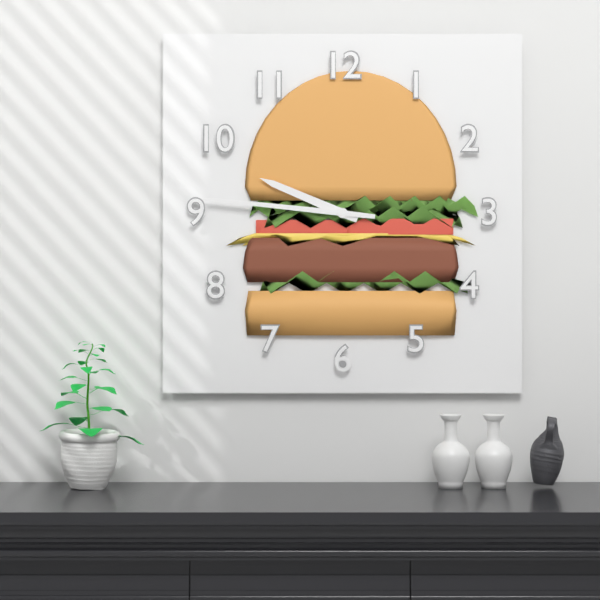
9:46
